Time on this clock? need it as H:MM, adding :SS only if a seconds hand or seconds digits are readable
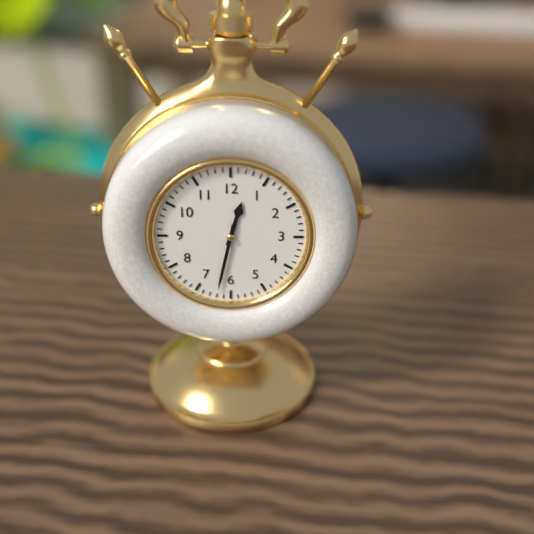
12:32
